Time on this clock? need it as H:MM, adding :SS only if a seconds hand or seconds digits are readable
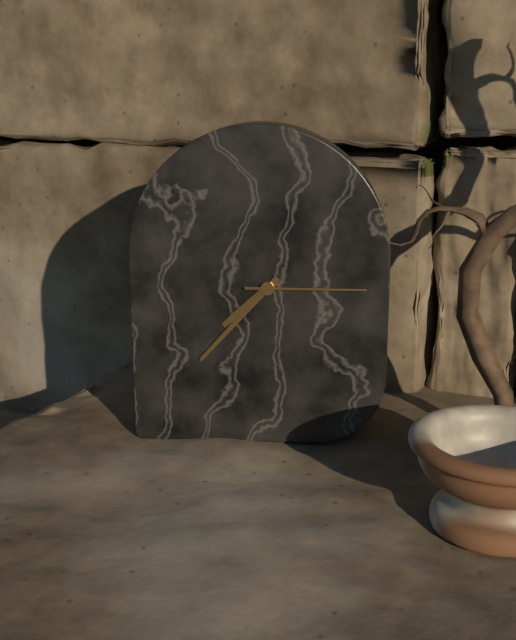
7:37:15
